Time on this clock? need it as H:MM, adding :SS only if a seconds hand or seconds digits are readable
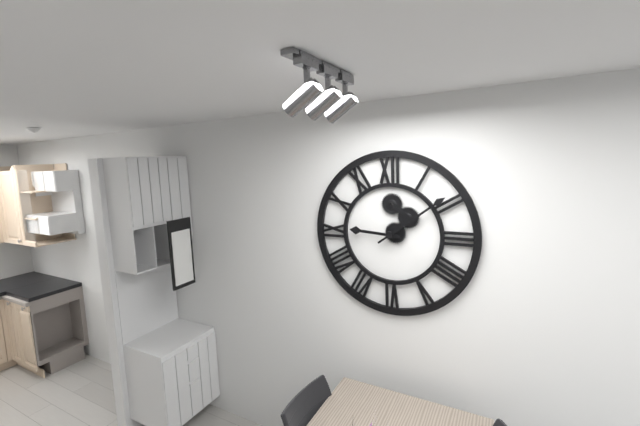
9:09
